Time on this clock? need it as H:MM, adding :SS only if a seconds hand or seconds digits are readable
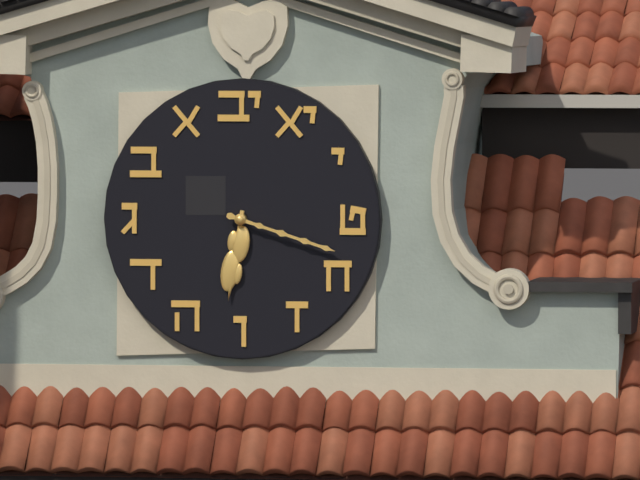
6:18
